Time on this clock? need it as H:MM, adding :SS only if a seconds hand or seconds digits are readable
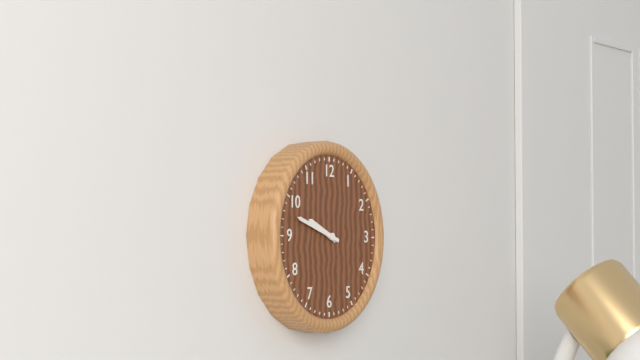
9:48
